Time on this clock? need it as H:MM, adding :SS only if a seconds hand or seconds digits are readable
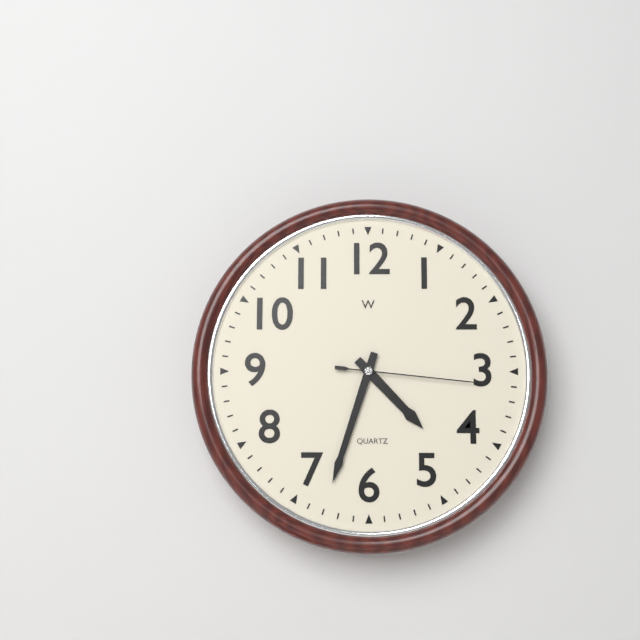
4:33:16
